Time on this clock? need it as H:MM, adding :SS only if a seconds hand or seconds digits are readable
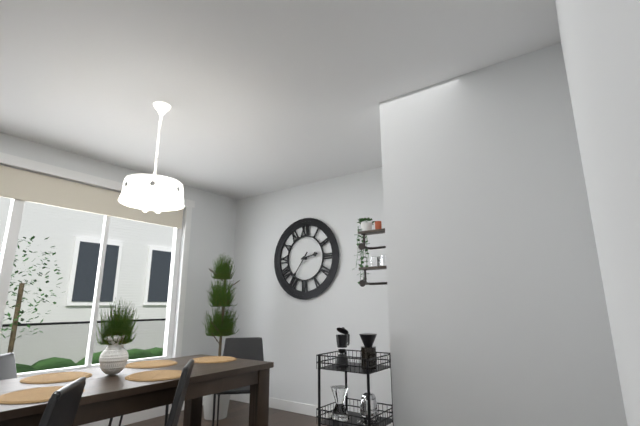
2:36
